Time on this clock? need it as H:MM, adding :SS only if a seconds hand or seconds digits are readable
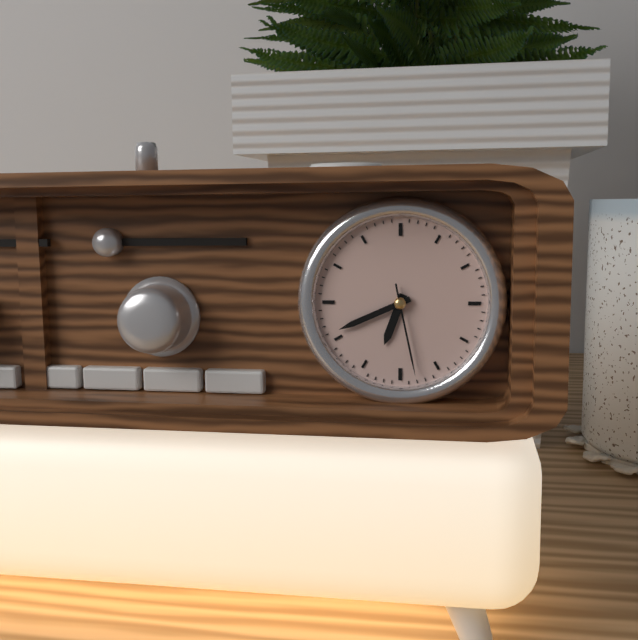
6:41:28
